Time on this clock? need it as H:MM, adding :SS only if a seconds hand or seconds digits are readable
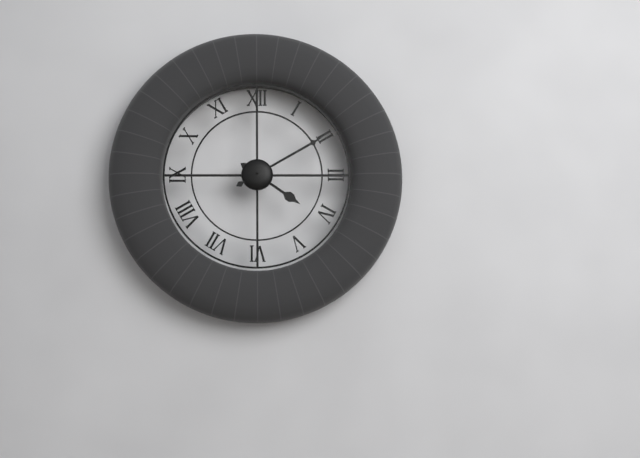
4:10
